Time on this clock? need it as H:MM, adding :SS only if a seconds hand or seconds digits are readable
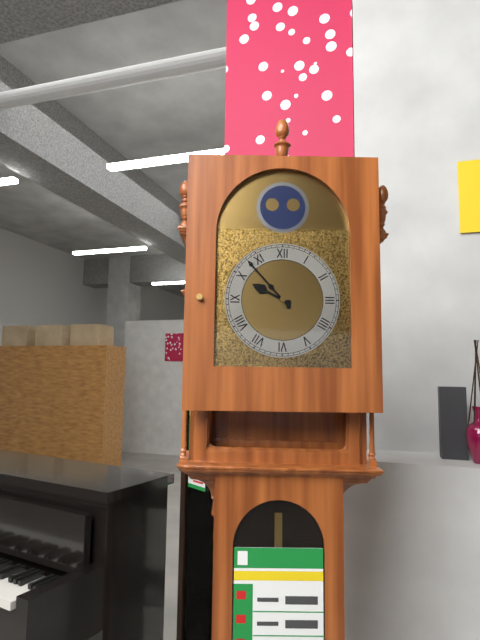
9:53
